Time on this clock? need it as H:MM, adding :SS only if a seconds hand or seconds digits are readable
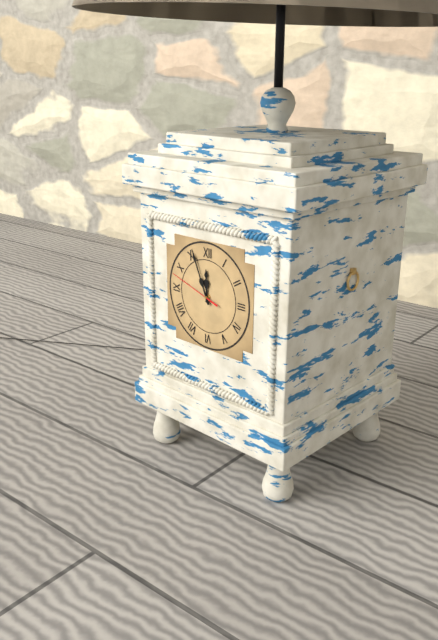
11:56:48
